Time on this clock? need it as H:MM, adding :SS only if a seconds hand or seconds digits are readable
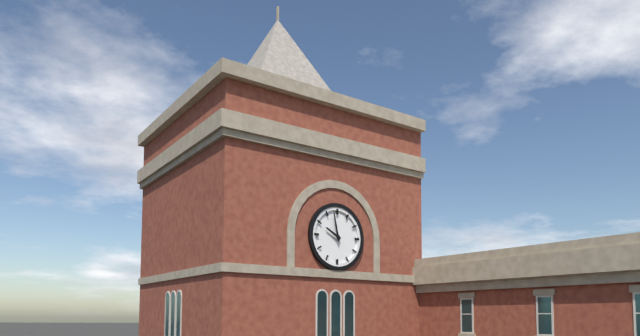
9:58
